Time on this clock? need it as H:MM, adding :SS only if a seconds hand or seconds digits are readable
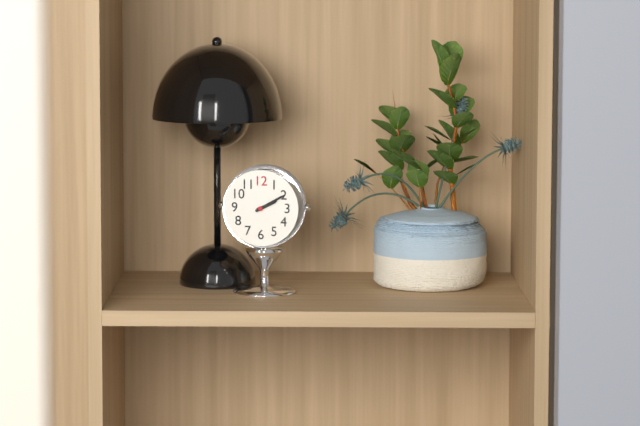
2:10
